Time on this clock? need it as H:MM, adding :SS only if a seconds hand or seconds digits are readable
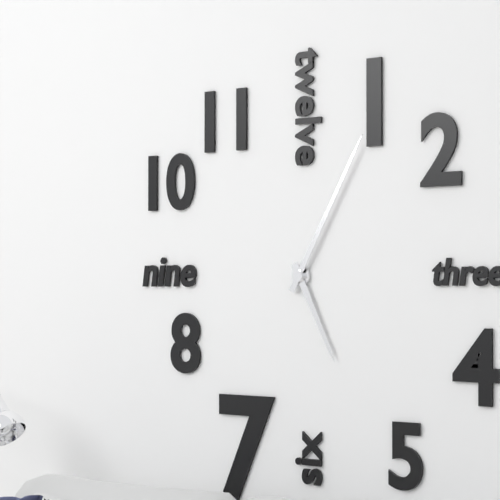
5:05
